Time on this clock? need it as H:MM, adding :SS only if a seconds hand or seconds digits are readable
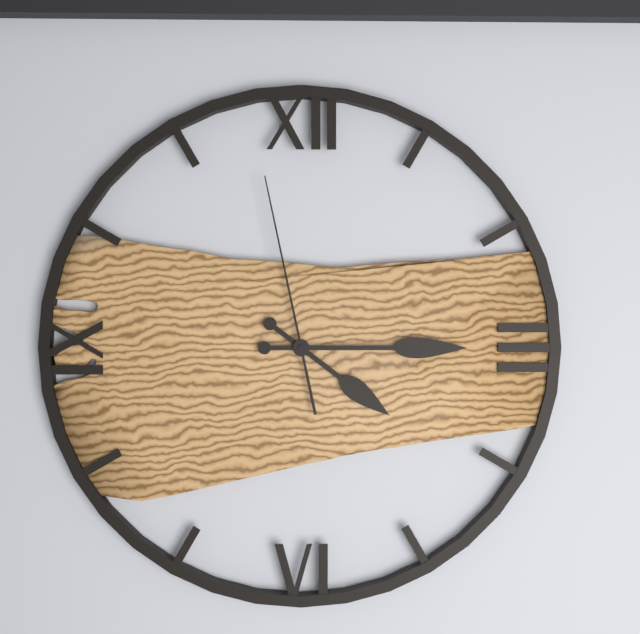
4:15:58
